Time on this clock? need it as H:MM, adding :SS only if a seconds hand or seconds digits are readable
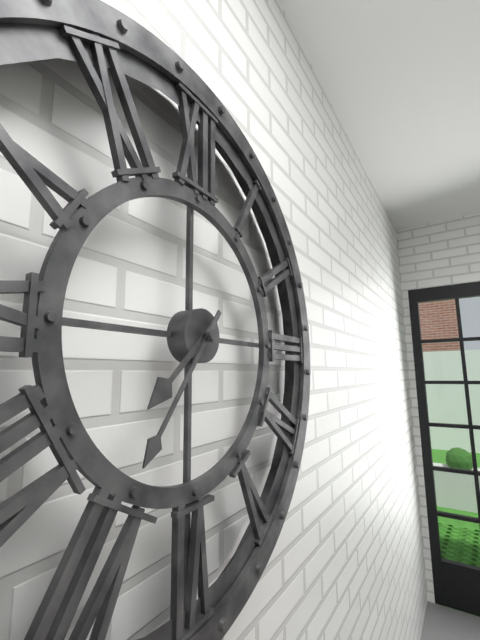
7:36
